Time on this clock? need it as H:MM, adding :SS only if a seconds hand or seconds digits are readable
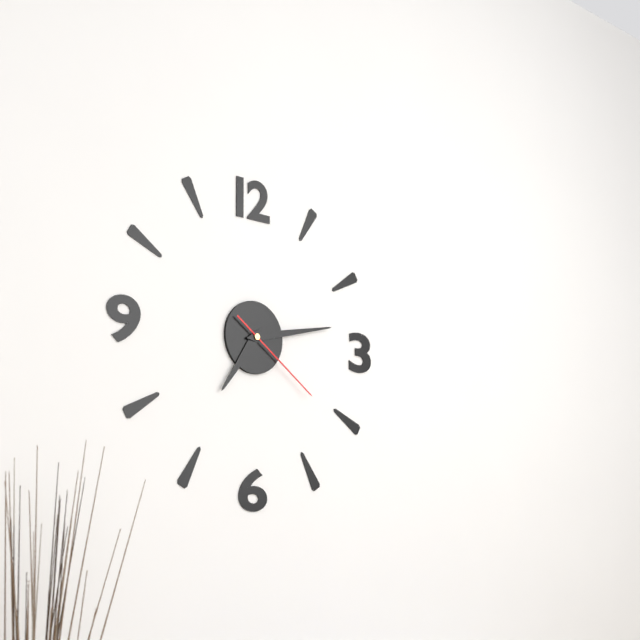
7:13:21
